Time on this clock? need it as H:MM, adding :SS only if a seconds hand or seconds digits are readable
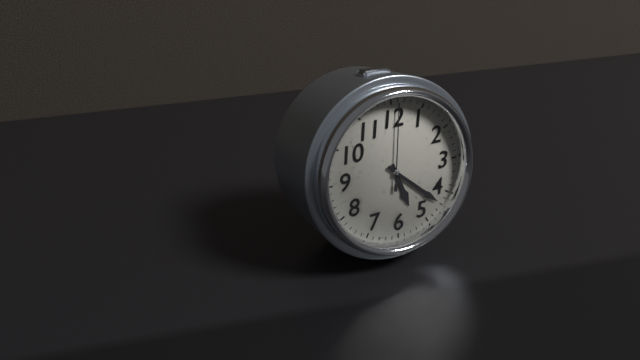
5:22:01
